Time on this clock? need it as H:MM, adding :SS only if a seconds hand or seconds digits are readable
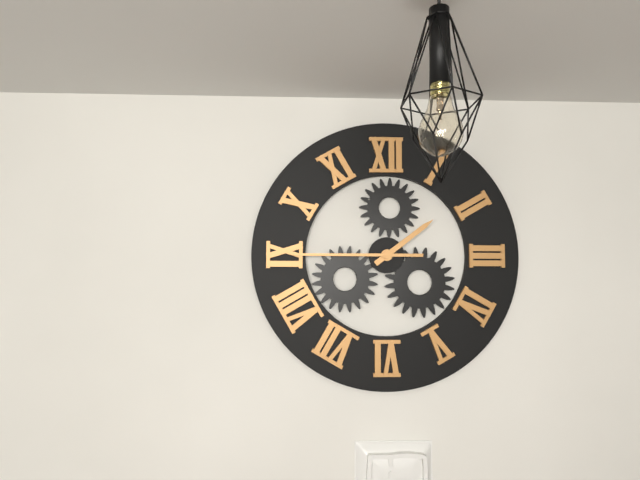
1:45
